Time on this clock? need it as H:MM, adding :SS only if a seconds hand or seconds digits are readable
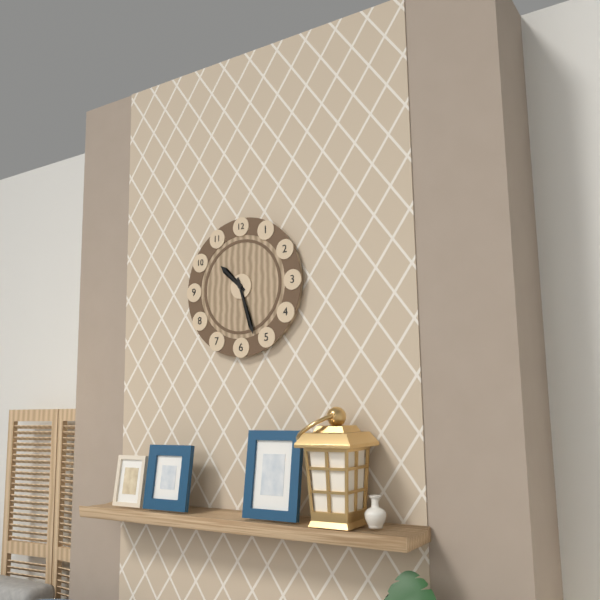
10:27
